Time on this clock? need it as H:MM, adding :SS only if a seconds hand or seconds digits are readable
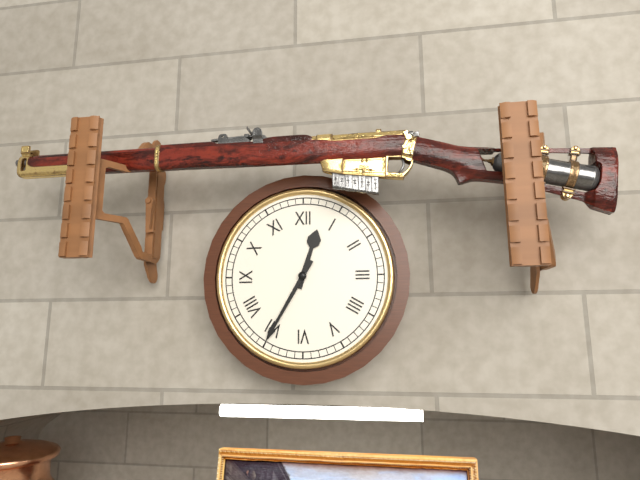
12:35
